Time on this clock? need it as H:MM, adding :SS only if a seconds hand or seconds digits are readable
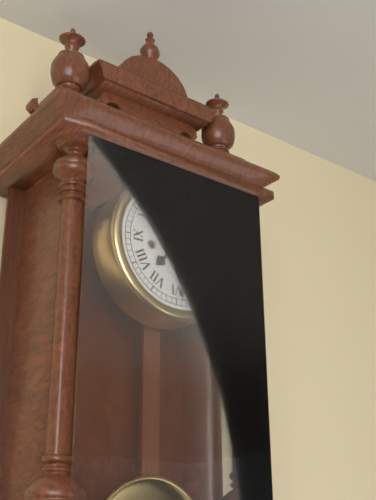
7:29
